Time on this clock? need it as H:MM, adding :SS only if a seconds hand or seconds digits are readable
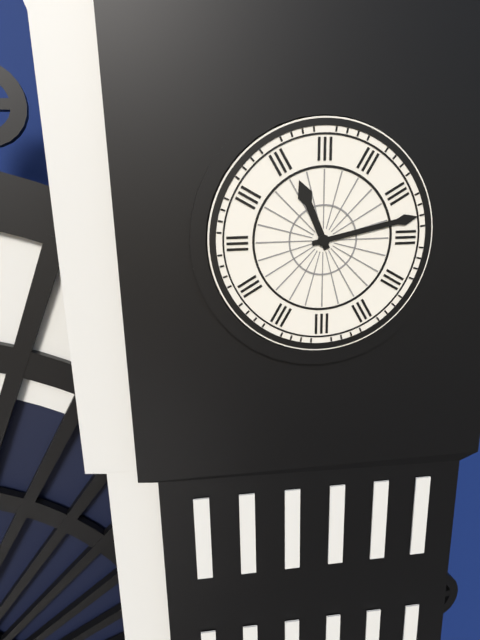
11:13
